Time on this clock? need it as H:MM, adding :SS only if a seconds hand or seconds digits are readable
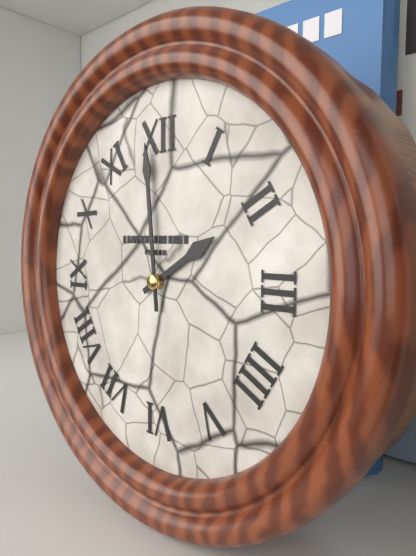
1:59
